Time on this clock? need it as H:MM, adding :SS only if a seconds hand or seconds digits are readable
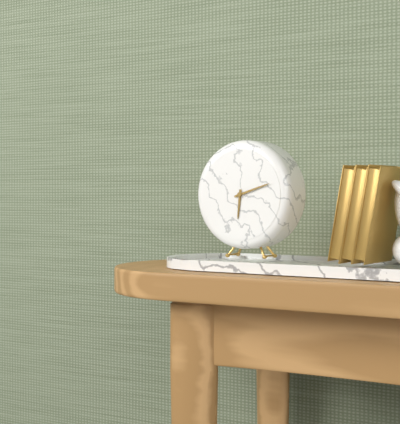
6:12
